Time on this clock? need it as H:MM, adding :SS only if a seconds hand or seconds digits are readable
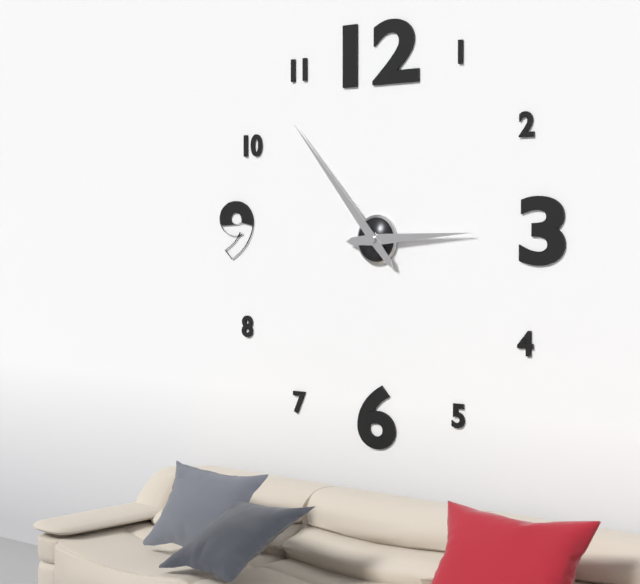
2:53
